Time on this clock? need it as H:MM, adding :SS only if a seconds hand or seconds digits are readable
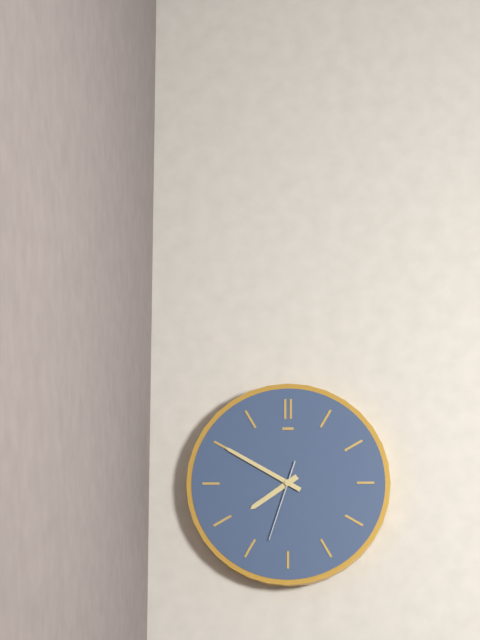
7:50:33
